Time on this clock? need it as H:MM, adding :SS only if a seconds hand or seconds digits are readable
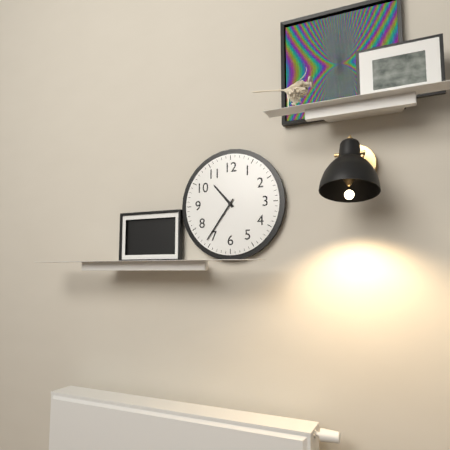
10:36
